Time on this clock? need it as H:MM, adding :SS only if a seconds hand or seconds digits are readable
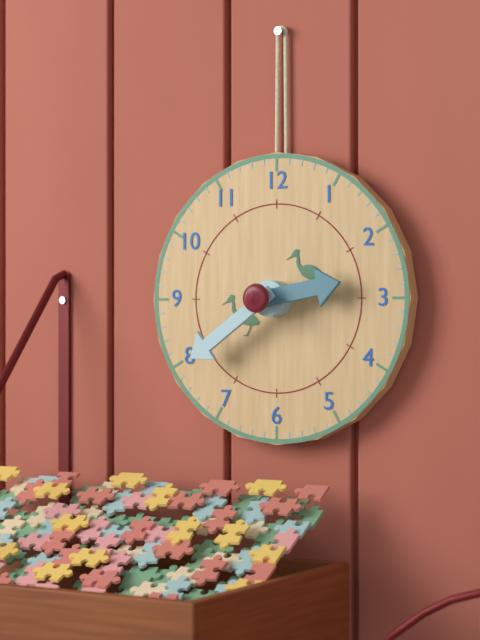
2:39
